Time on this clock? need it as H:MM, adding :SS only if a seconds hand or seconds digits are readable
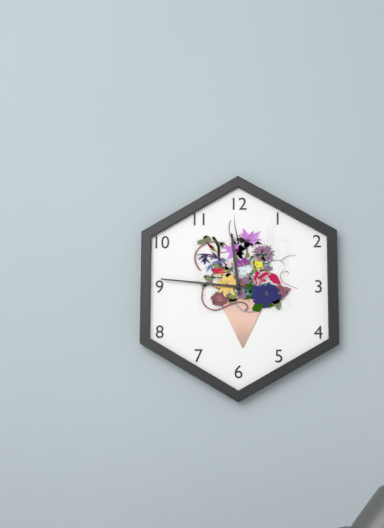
11:46
